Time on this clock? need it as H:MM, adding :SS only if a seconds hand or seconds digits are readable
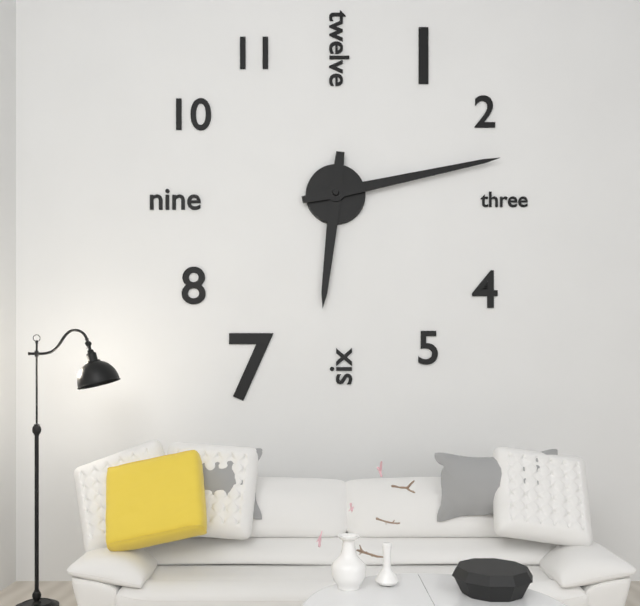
6:13
